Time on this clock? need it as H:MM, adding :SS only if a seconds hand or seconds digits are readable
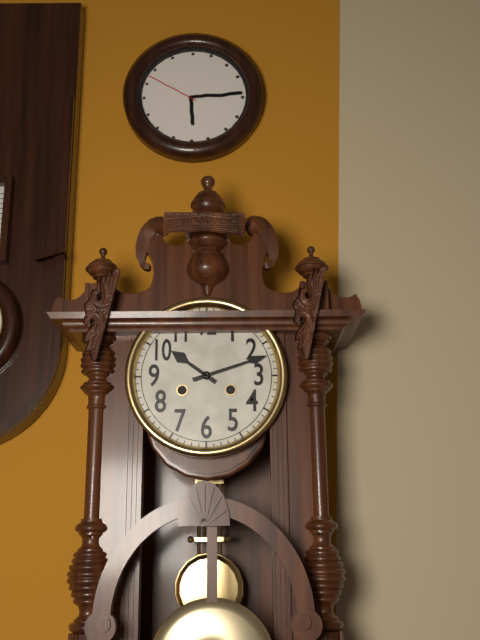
10:12
